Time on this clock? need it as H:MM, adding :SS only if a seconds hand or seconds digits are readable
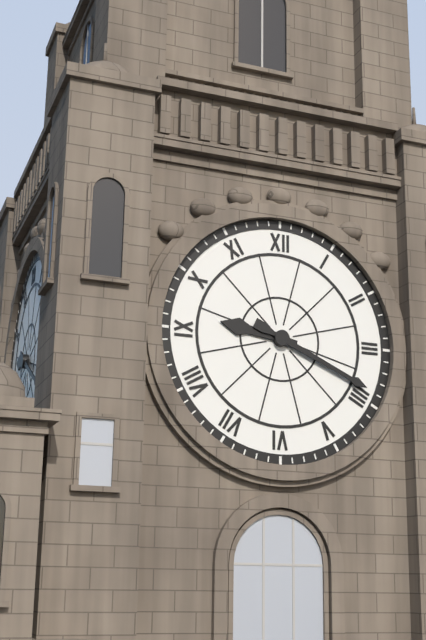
9:19
